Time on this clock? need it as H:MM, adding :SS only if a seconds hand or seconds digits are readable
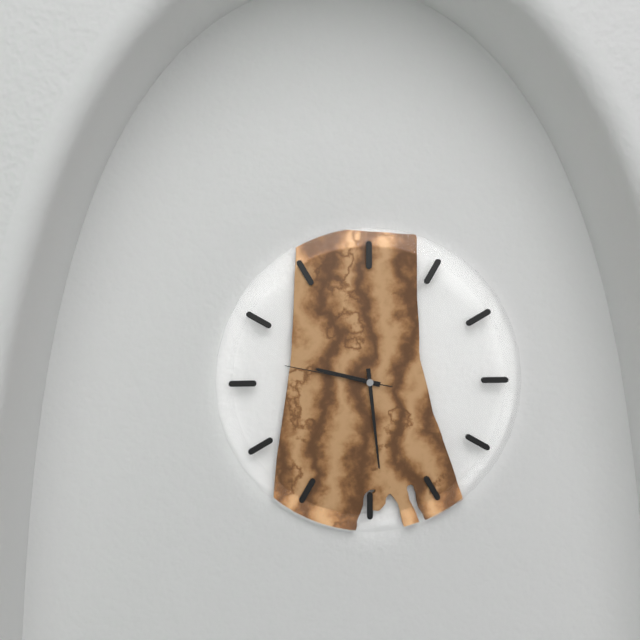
9:29:47
